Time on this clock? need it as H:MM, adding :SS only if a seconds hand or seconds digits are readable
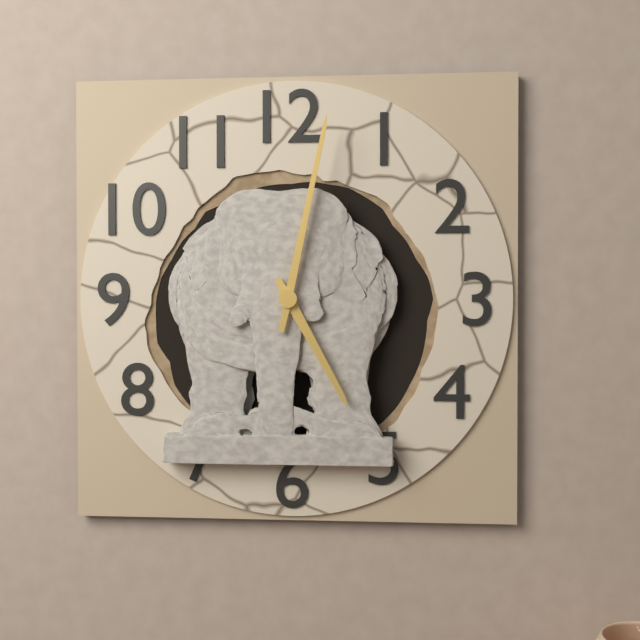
5:02
